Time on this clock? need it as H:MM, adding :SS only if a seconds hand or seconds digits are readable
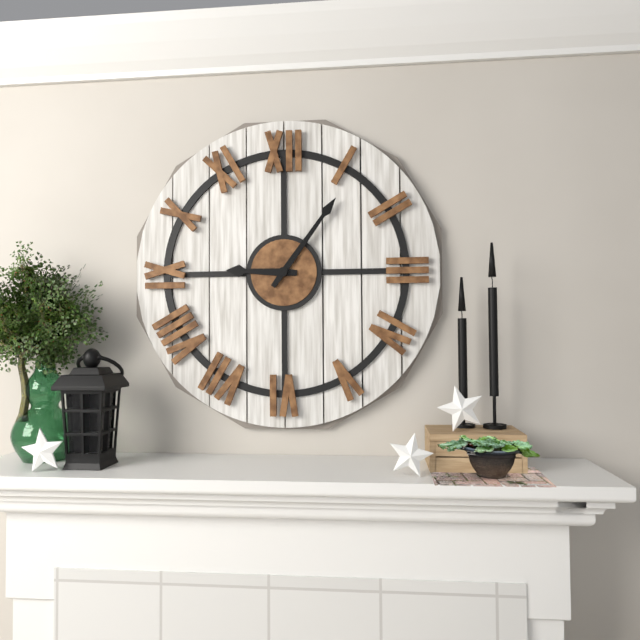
9:06
